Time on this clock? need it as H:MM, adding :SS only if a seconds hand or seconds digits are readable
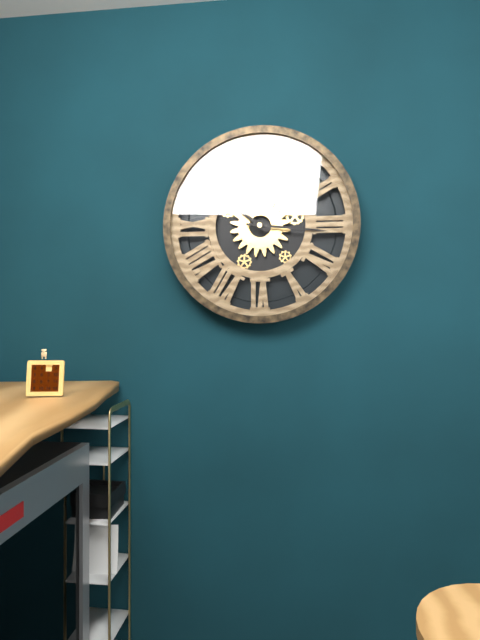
10:16
